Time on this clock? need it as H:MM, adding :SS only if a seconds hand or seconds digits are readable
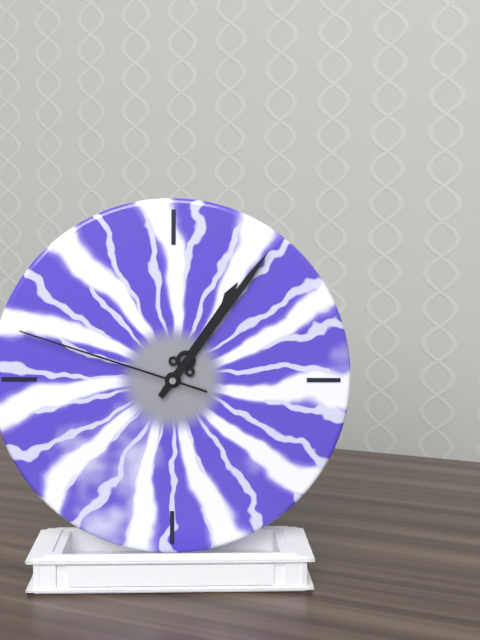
1:06:48
